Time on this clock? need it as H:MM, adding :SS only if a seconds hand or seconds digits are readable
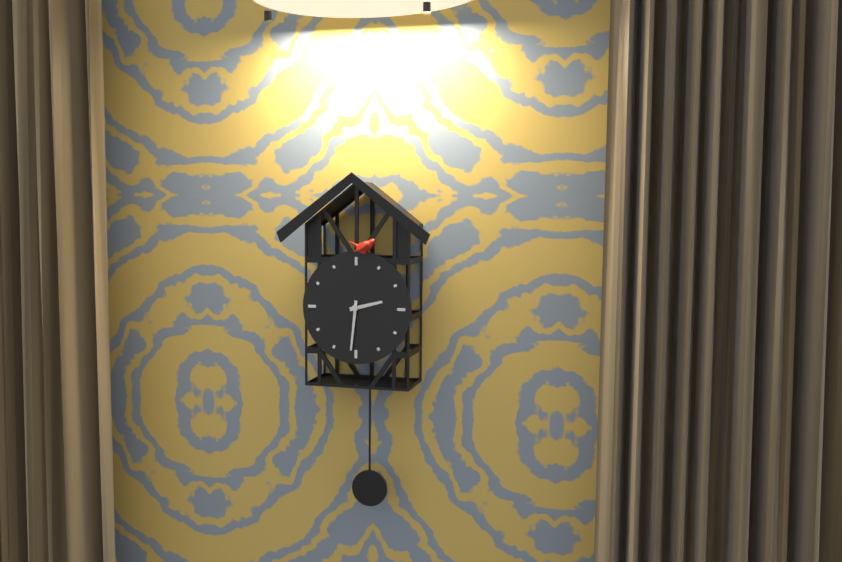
2:31
